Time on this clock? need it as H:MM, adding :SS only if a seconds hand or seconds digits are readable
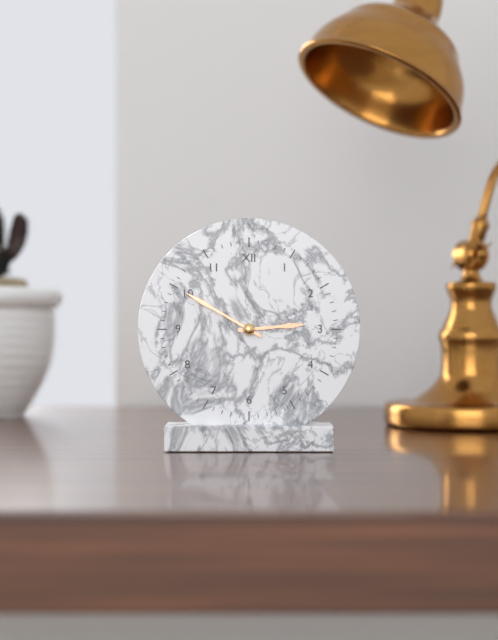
2:50
